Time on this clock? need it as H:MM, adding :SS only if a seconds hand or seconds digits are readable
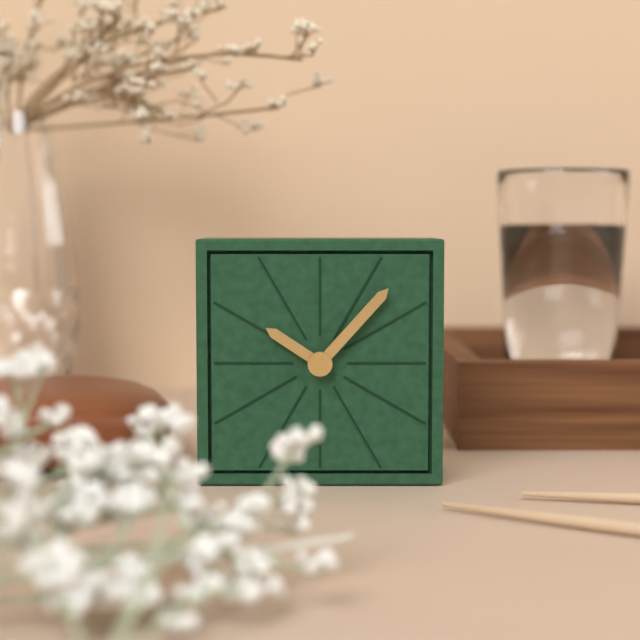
10:07
